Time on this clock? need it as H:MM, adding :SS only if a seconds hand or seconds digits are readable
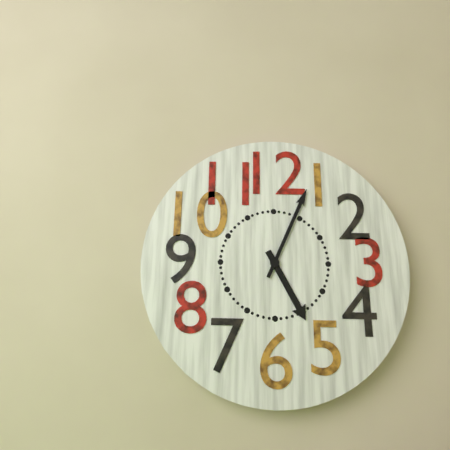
5:04
